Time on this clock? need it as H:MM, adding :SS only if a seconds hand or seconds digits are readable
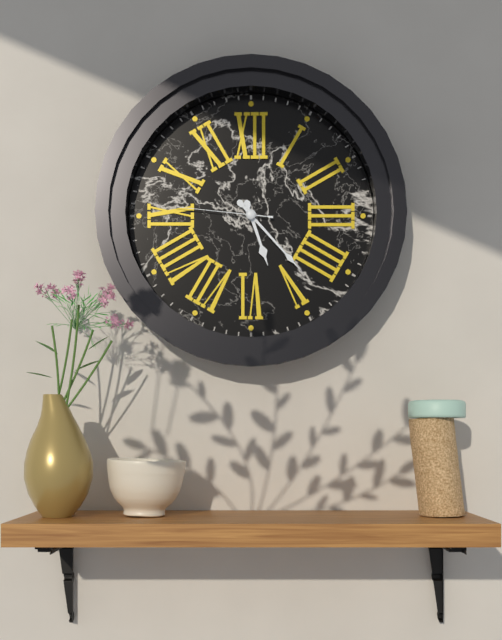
5:23:46
